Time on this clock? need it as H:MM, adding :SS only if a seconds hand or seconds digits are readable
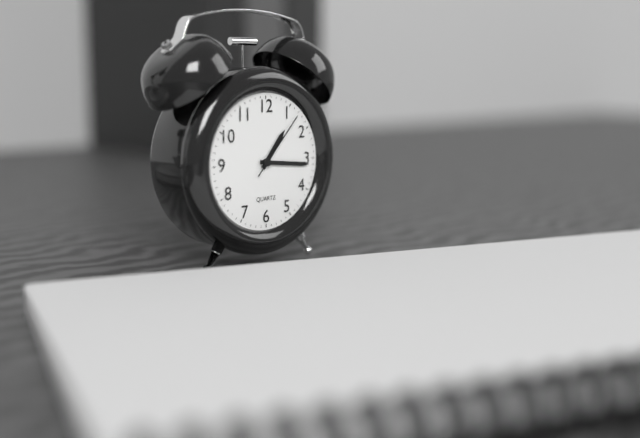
1:16:07
